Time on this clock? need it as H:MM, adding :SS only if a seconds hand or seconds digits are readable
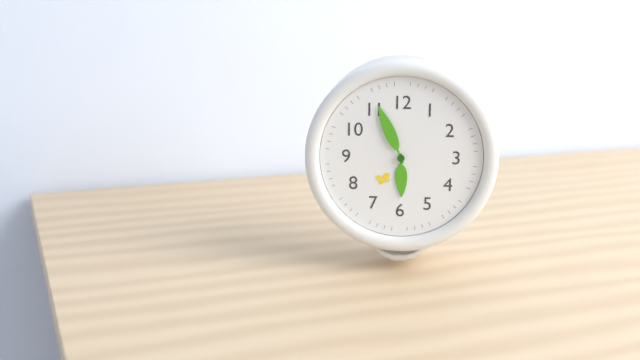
5:56
